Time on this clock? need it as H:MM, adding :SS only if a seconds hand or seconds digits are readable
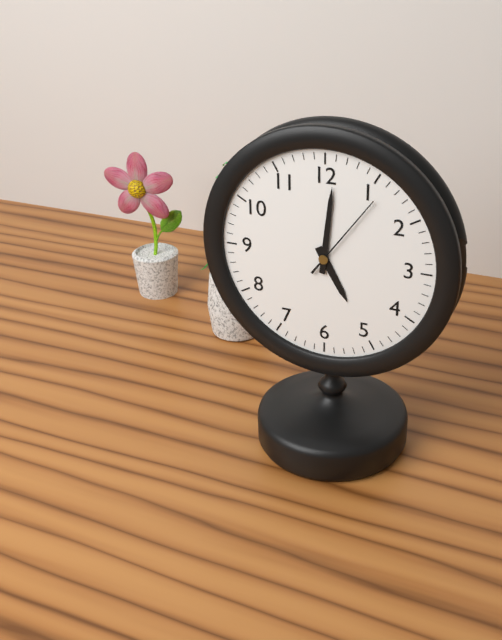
5:01:06
